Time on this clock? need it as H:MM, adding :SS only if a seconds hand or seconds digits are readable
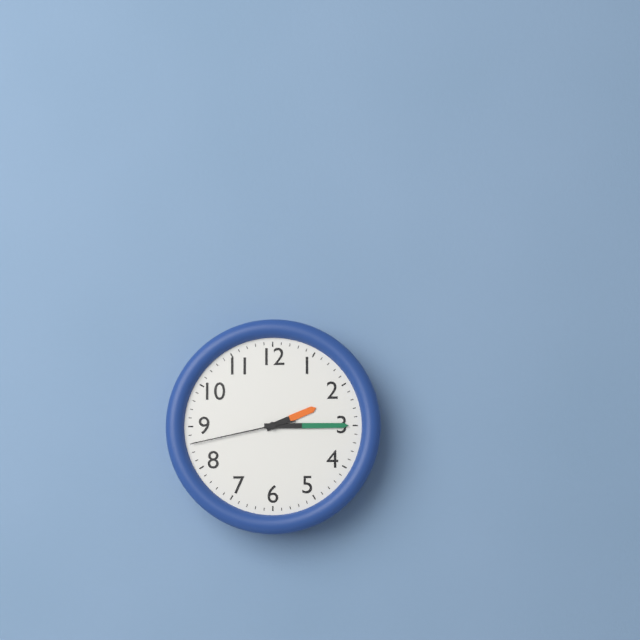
2:15:43
